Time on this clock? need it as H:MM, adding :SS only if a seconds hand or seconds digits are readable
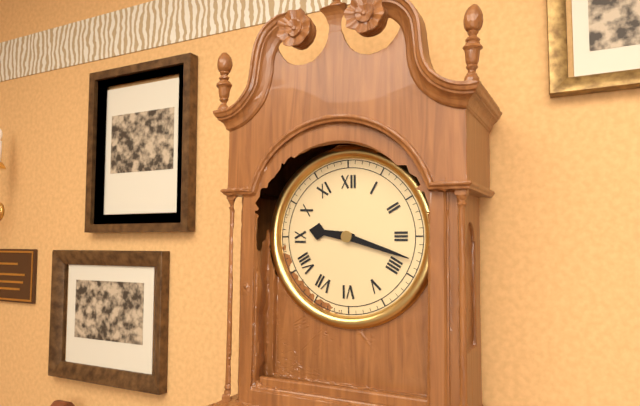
9:18
